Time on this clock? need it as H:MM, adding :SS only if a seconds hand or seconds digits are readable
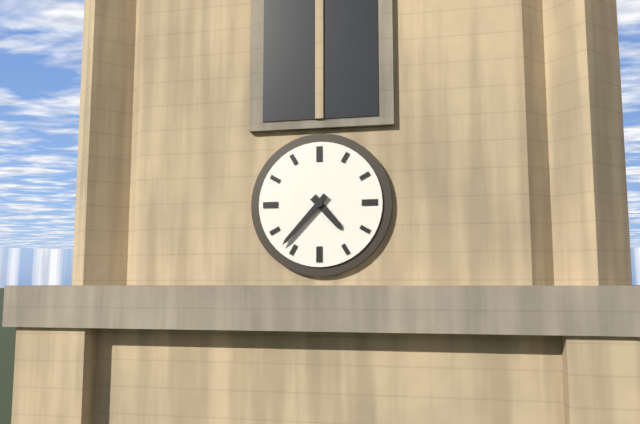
4:37
